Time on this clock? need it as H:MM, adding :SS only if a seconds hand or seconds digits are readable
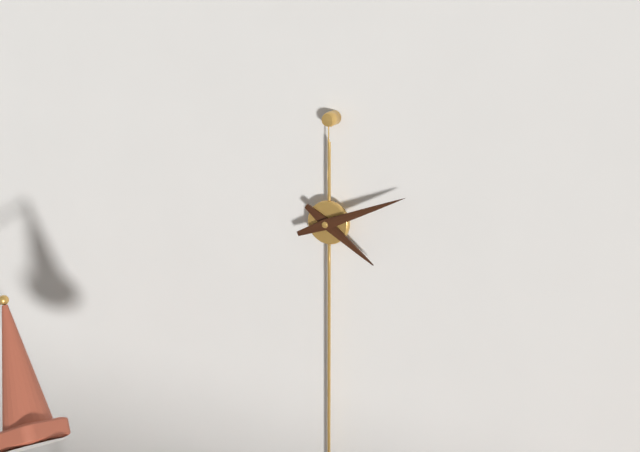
4:11
